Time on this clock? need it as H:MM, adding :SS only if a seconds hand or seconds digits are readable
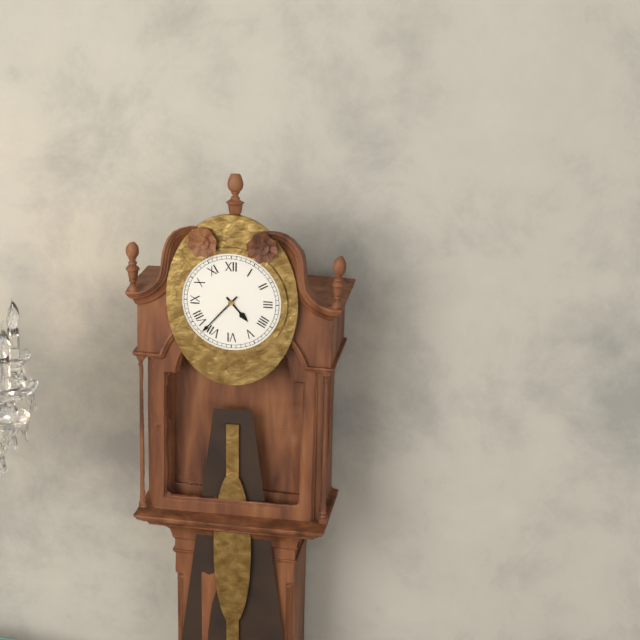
4:37
